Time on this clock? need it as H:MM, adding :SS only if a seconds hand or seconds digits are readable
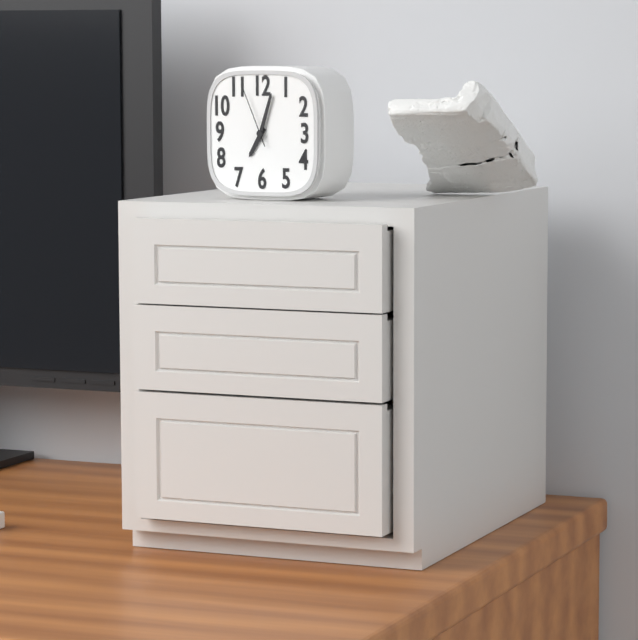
7:03:56
